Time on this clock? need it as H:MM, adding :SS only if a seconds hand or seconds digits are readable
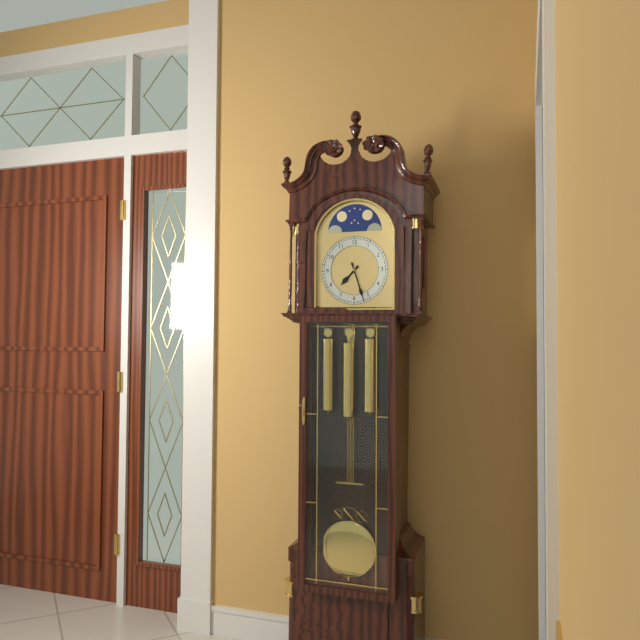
7:27
